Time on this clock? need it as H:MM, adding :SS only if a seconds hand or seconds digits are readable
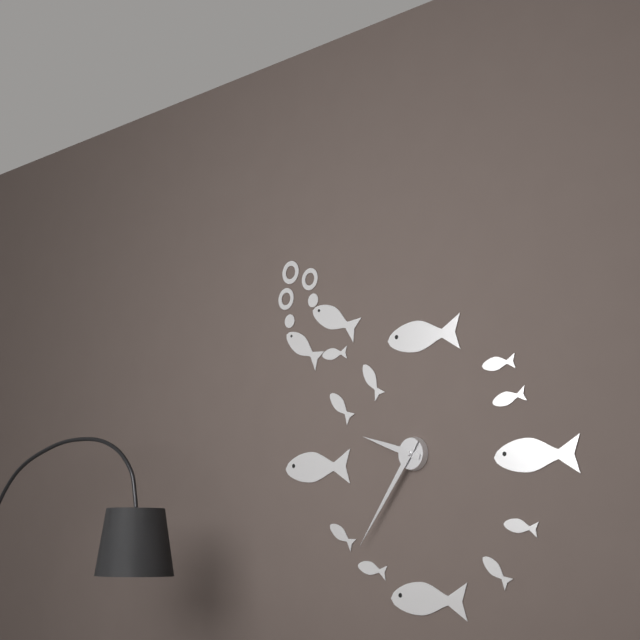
9:36
